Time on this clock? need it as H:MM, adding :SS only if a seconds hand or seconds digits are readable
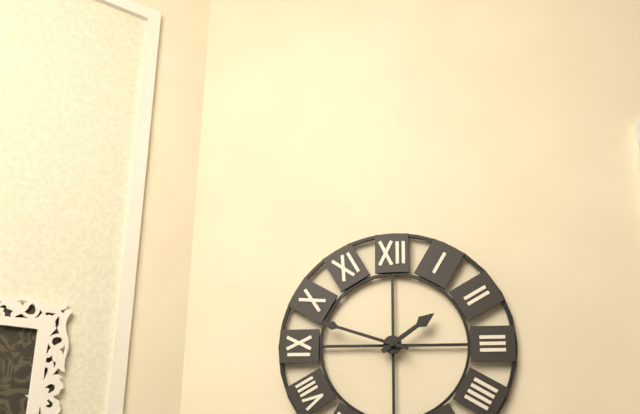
1:48
